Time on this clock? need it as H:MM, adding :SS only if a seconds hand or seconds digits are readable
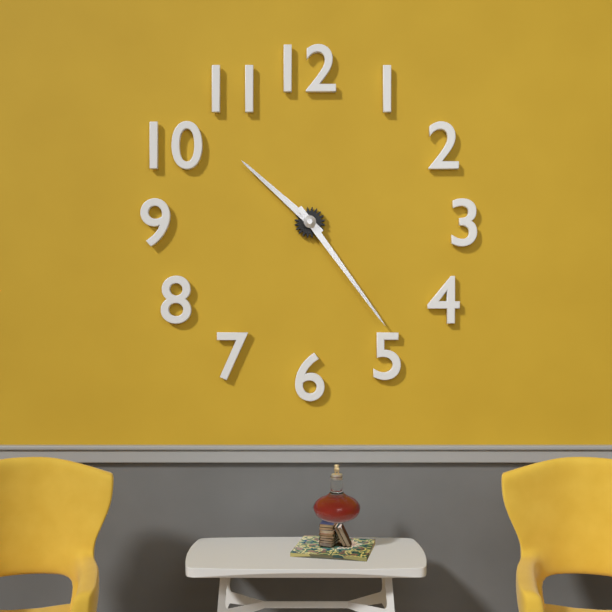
10:24
